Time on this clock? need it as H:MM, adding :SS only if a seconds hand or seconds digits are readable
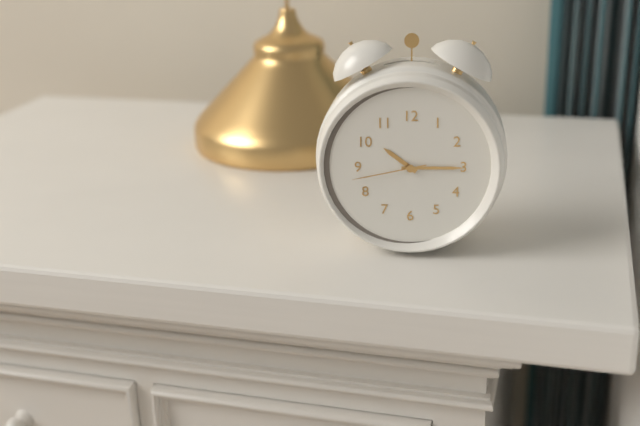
10:15:43
